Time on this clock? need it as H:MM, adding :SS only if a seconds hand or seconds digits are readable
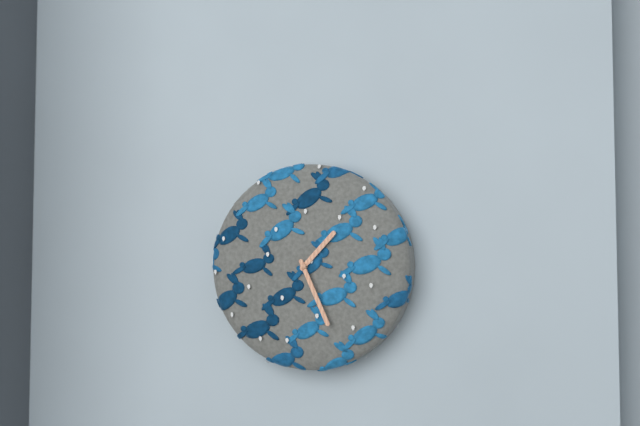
1:26
